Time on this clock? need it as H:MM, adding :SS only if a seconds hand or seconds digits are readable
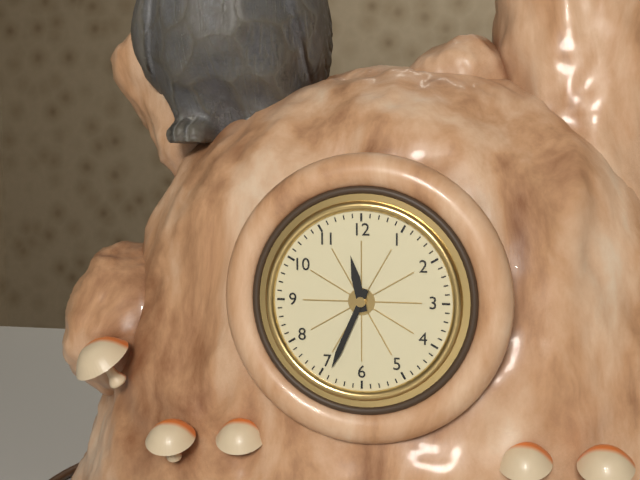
11:34
